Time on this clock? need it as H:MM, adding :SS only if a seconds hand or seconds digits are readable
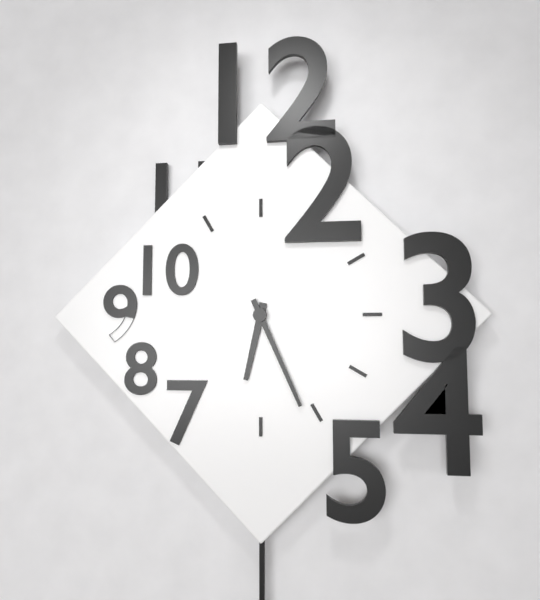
6:26
